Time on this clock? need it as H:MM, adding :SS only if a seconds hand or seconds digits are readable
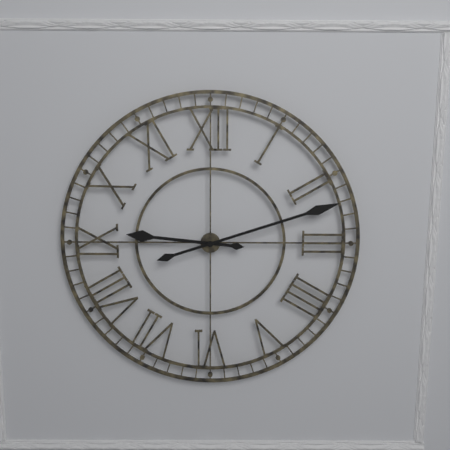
9:12
